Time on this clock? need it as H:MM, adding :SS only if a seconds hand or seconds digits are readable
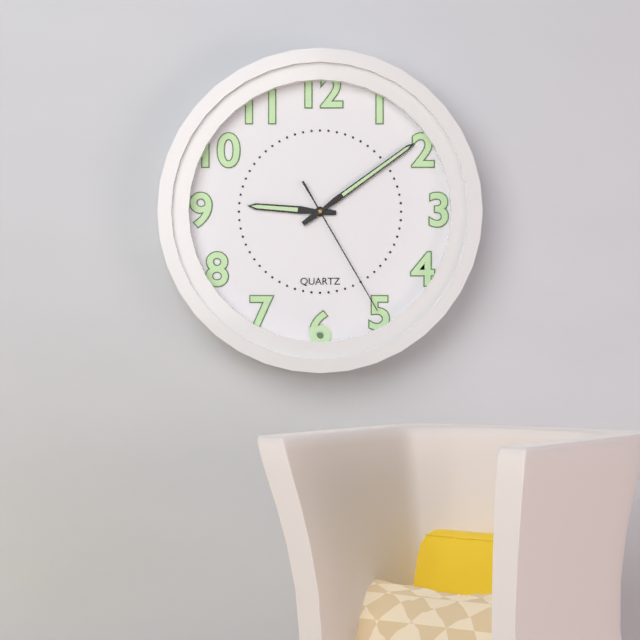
9:09:25
